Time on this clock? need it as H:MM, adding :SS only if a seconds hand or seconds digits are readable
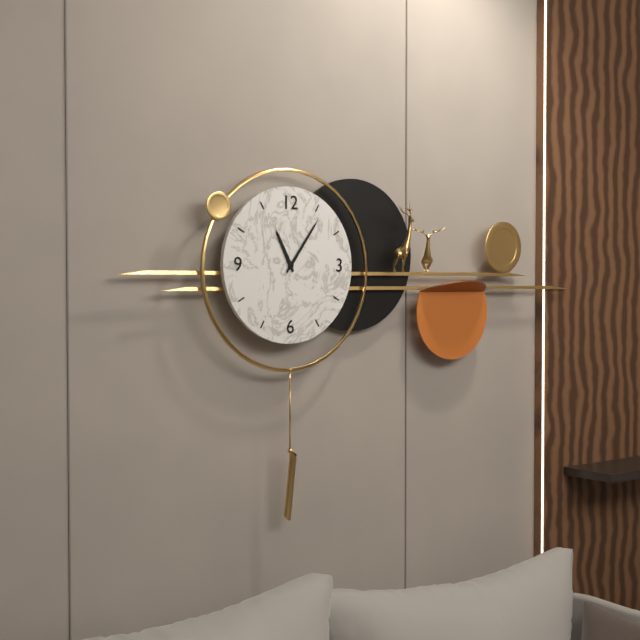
11:06
